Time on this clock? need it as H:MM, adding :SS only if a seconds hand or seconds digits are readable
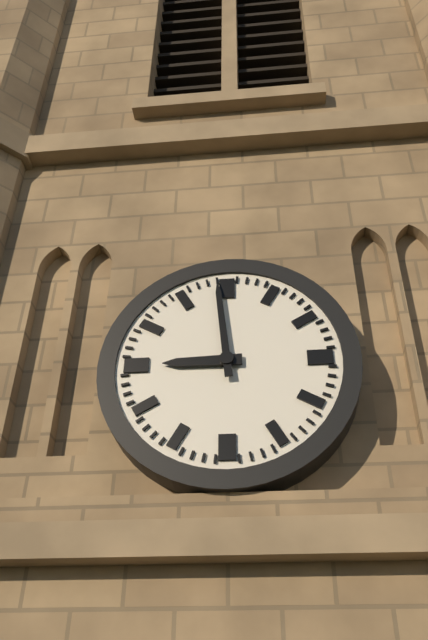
8:59
